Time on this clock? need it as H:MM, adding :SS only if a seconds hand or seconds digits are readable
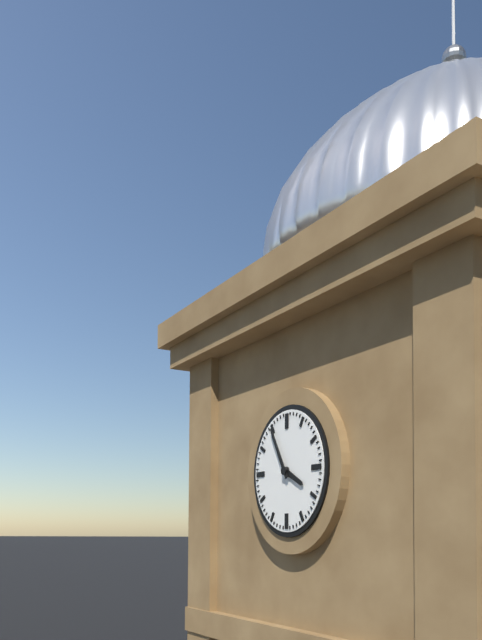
3:55
